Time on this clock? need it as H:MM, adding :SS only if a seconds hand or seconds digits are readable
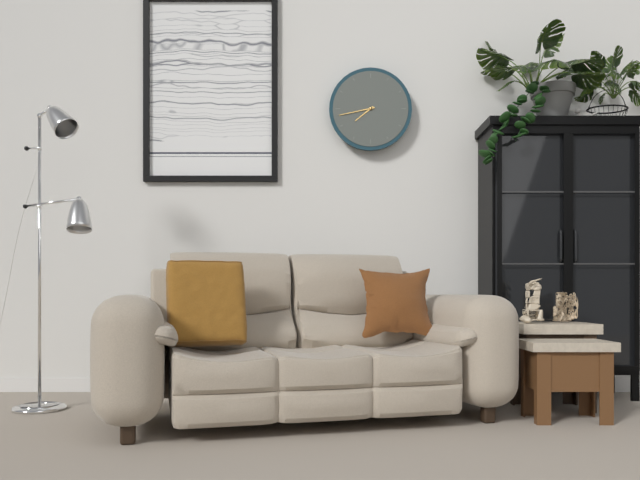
7:43
